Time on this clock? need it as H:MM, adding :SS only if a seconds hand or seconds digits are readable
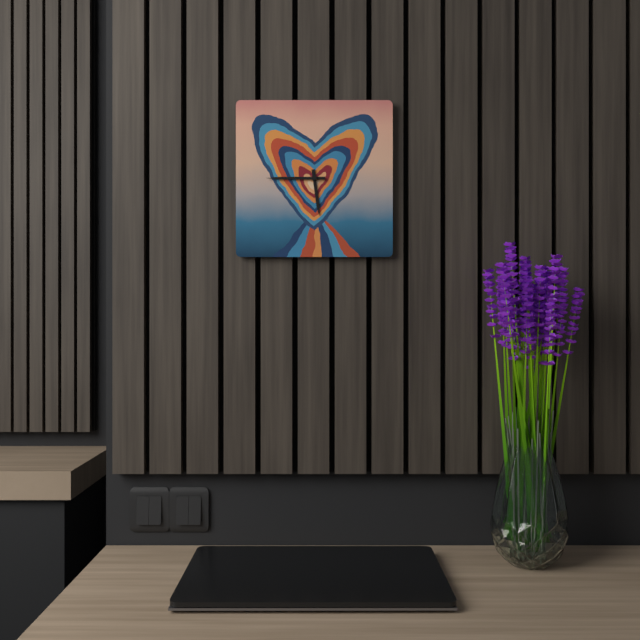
5:45
